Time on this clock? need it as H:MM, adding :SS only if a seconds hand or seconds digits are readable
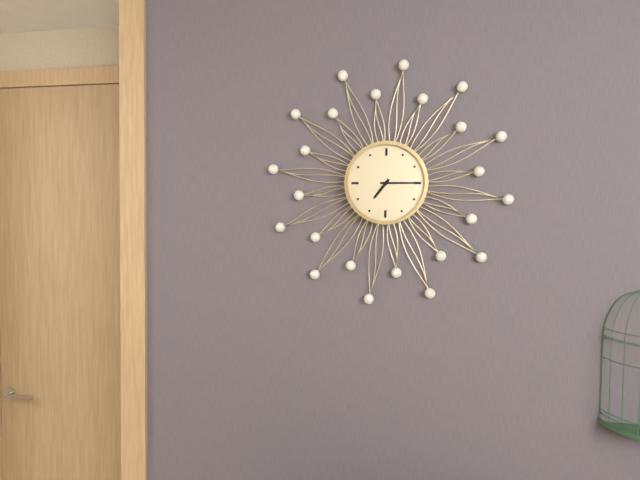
7:15
